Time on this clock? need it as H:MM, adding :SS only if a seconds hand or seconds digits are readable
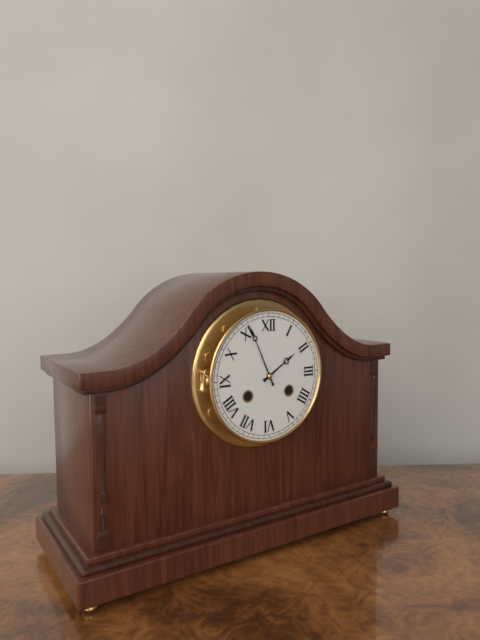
1:56
